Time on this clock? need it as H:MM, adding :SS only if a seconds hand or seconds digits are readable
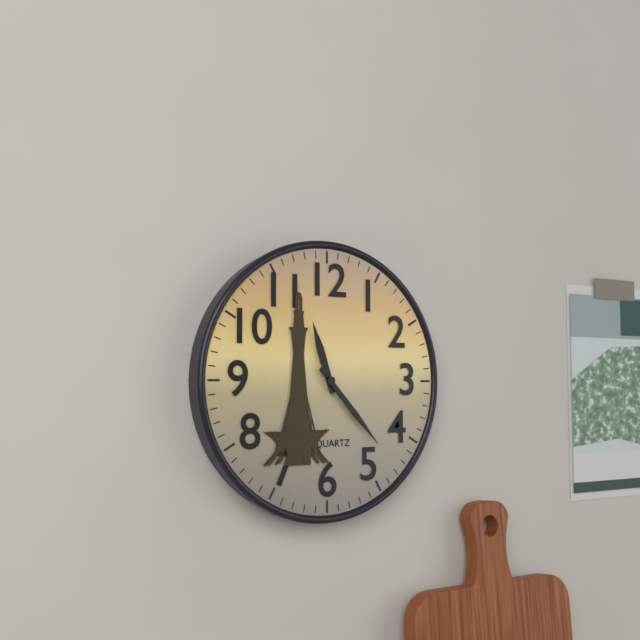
11:23
